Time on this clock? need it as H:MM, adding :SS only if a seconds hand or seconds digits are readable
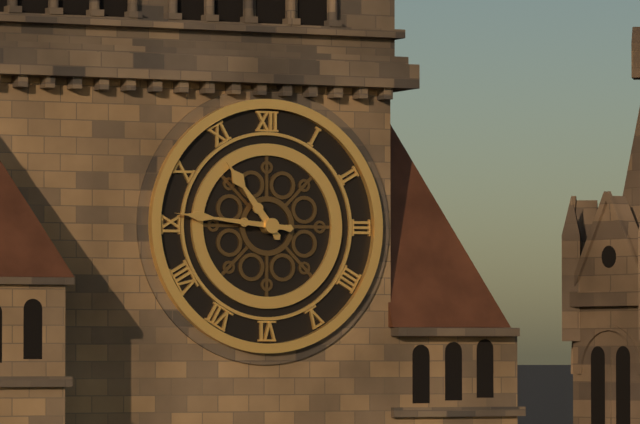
10:46
